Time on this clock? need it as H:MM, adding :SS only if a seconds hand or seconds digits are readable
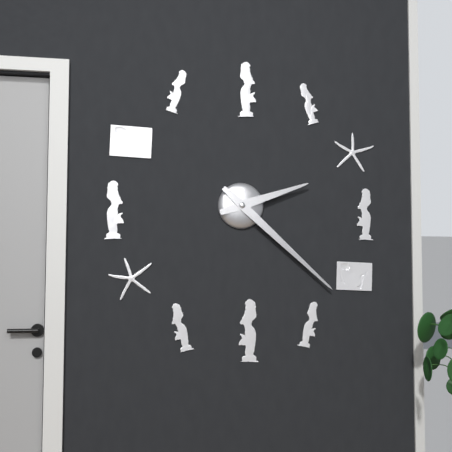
2:22
